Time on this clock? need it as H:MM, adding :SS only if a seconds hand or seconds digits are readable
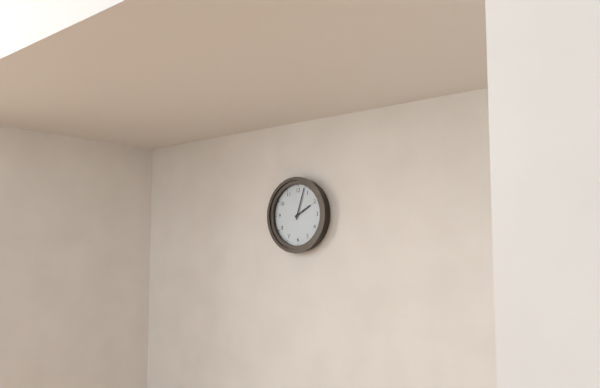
2:03
